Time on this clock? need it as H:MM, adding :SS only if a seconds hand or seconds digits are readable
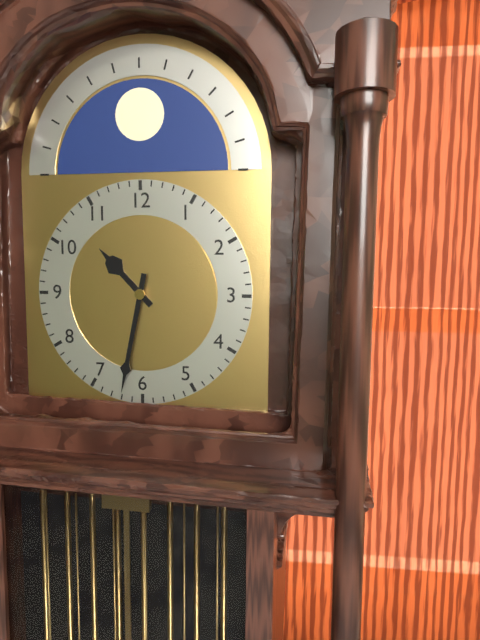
10:32
